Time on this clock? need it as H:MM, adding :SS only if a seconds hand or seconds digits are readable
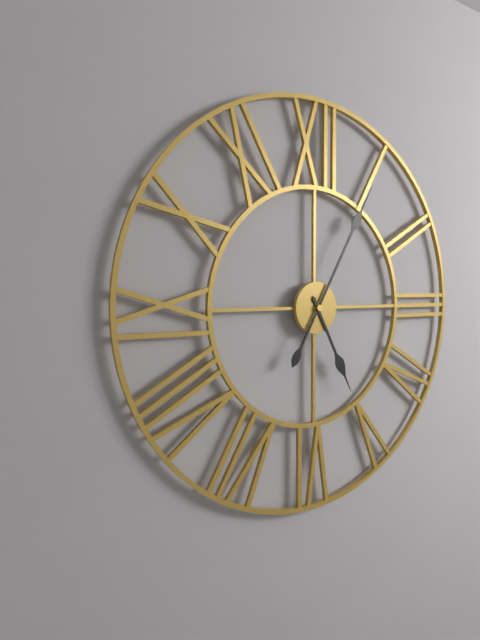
5:05
